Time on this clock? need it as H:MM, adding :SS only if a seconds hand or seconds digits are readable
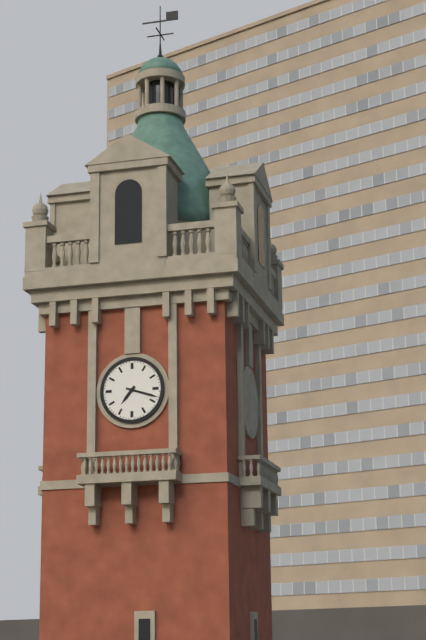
7:18
